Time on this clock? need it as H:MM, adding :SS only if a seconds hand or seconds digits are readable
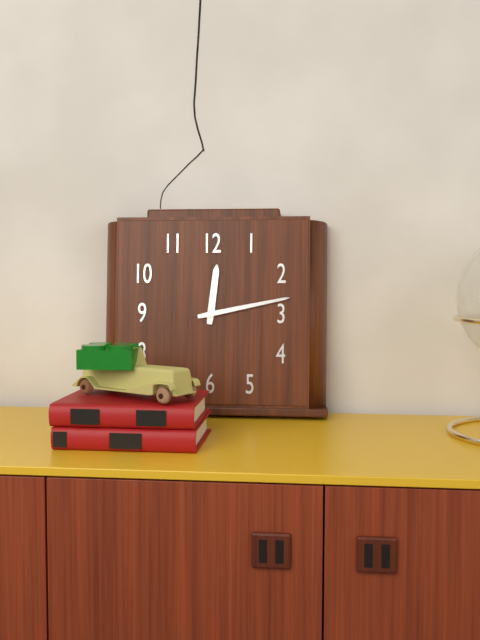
12:13
